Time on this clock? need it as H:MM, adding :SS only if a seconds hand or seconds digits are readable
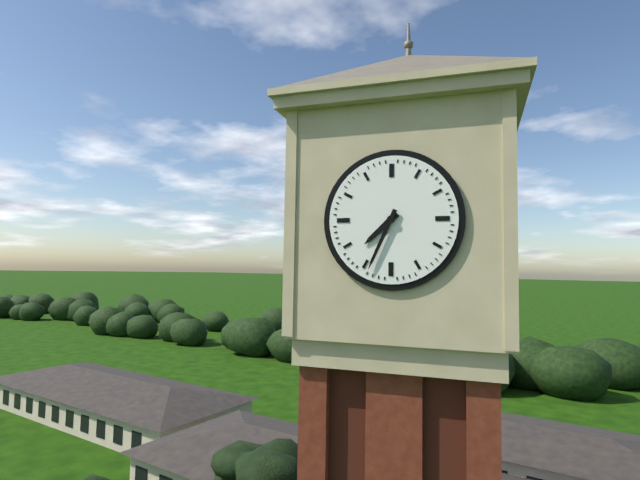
7:34
